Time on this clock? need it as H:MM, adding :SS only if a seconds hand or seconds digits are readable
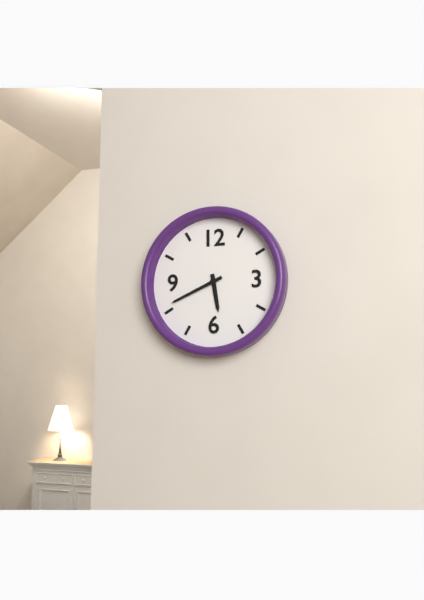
5:41
